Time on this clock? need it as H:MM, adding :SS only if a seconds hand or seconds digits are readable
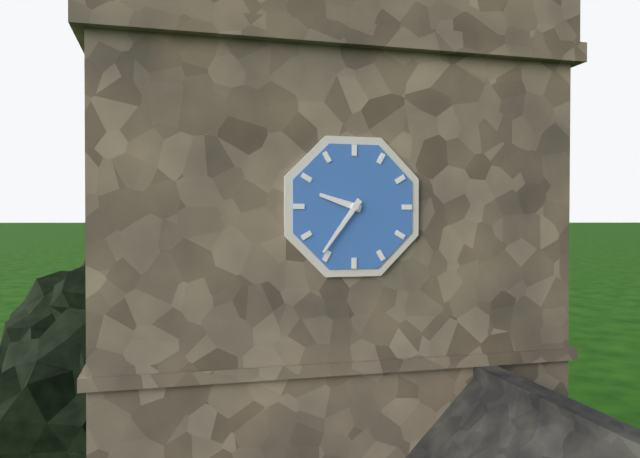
9:36
